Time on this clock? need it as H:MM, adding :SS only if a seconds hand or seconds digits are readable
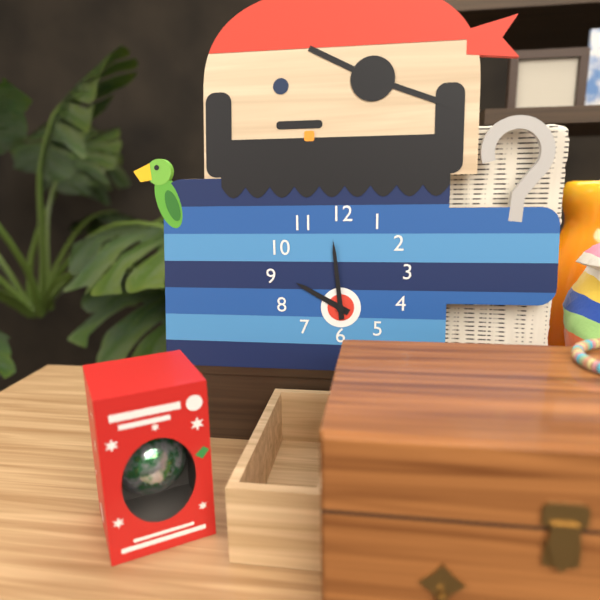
9:59
